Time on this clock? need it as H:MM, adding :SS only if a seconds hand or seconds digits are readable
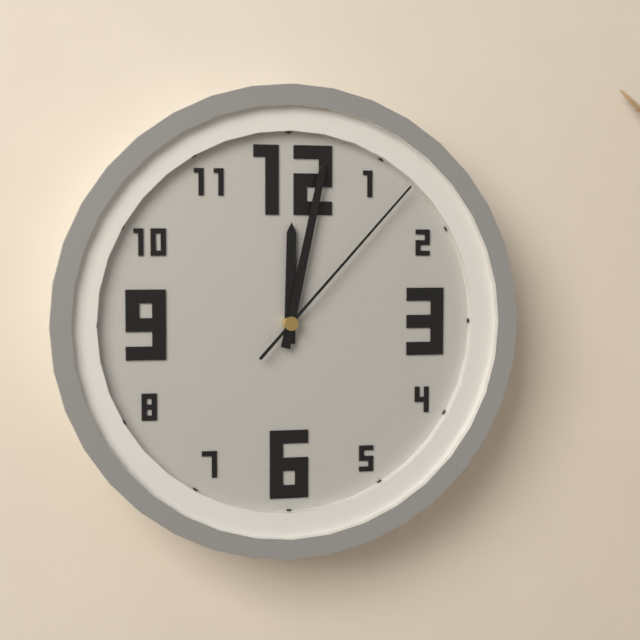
12:02:07
